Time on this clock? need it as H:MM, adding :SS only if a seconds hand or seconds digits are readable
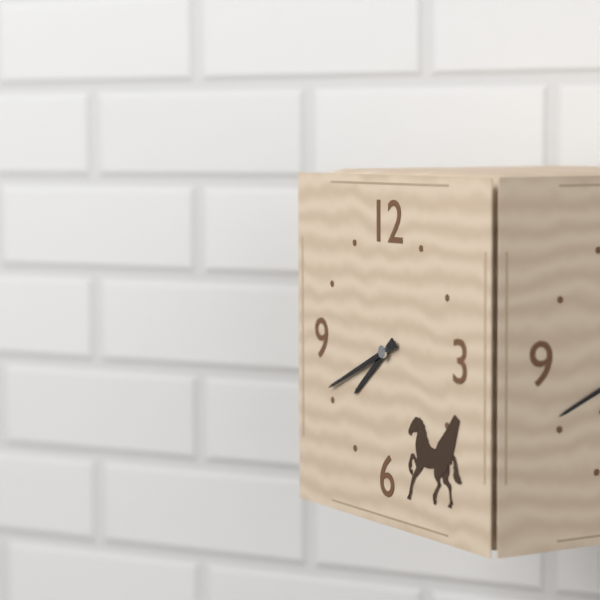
7:41
